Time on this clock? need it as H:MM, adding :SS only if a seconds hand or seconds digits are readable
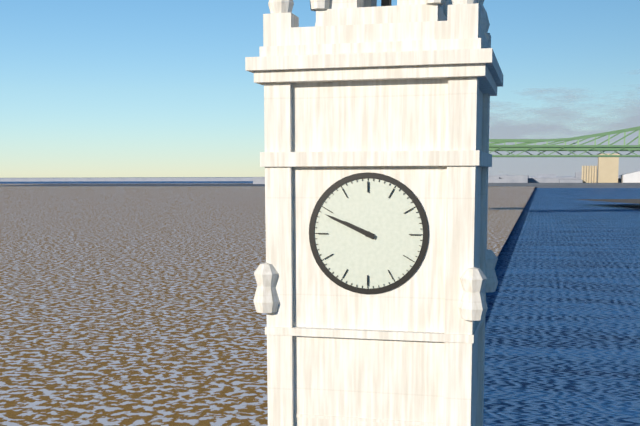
9:49
